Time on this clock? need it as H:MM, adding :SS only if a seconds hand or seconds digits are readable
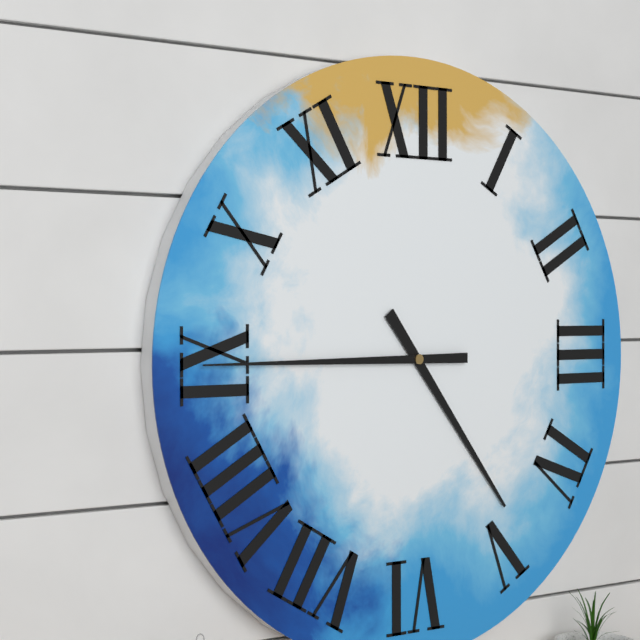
4:45
